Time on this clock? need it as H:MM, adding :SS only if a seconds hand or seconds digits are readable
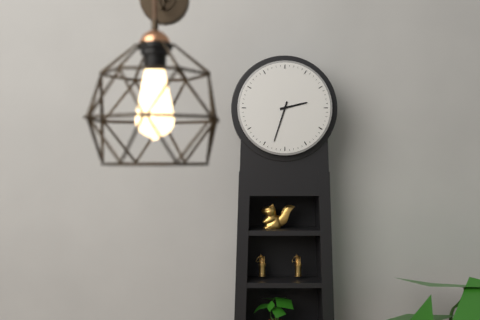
2:33
